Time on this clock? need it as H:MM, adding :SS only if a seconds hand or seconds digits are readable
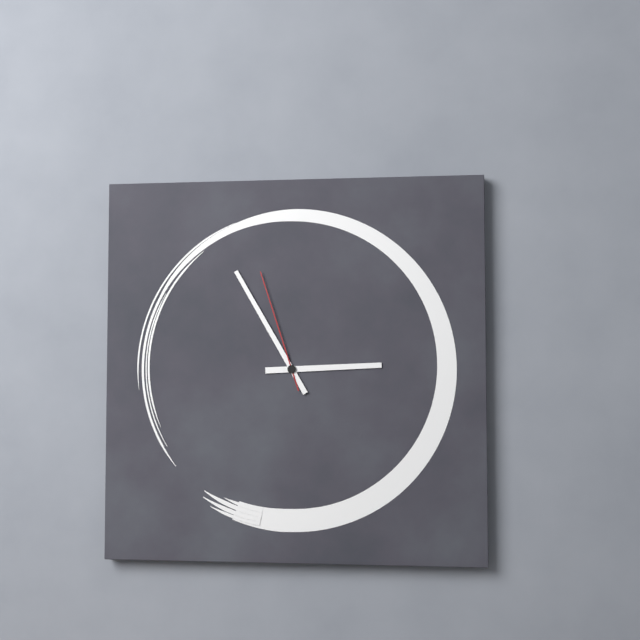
2:55:57
